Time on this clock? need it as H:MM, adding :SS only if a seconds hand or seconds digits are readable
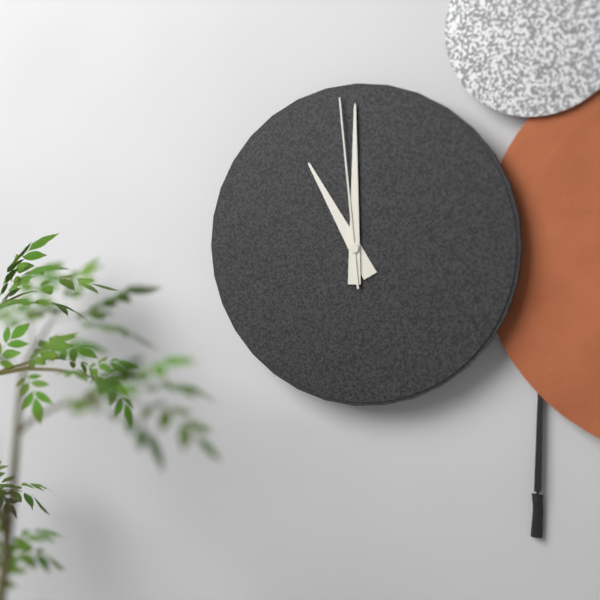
11:00:59
